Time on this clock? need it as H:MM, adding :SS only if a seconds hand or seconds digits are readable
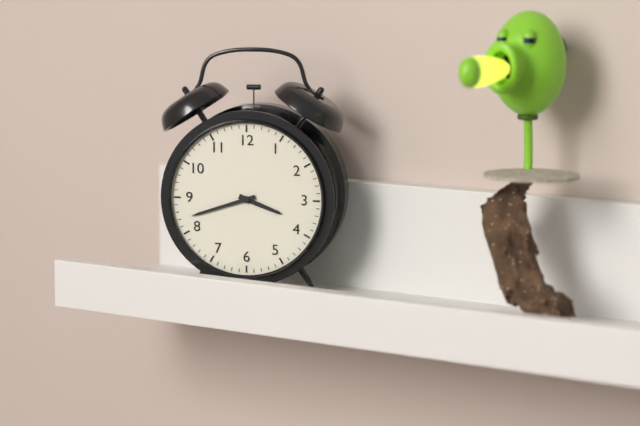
3:42
